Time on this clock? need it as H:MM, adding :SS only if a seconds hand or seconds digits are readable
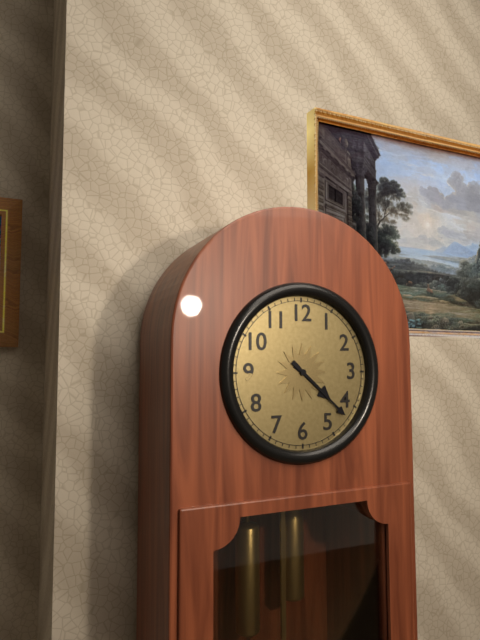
4:22
